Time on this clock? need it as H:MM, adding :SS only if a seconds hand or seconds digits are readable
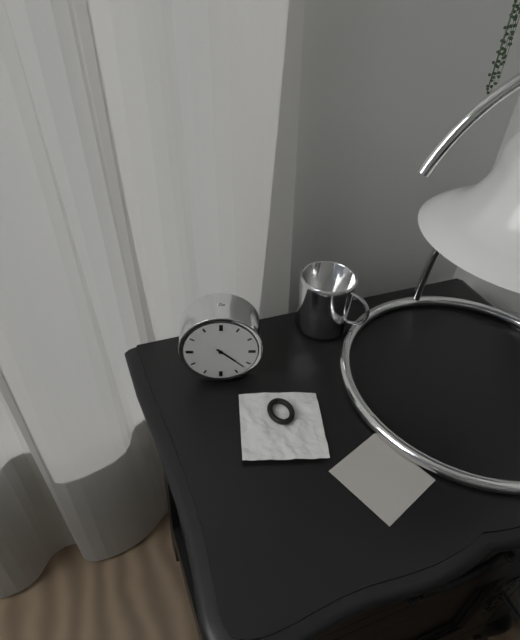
4:22
